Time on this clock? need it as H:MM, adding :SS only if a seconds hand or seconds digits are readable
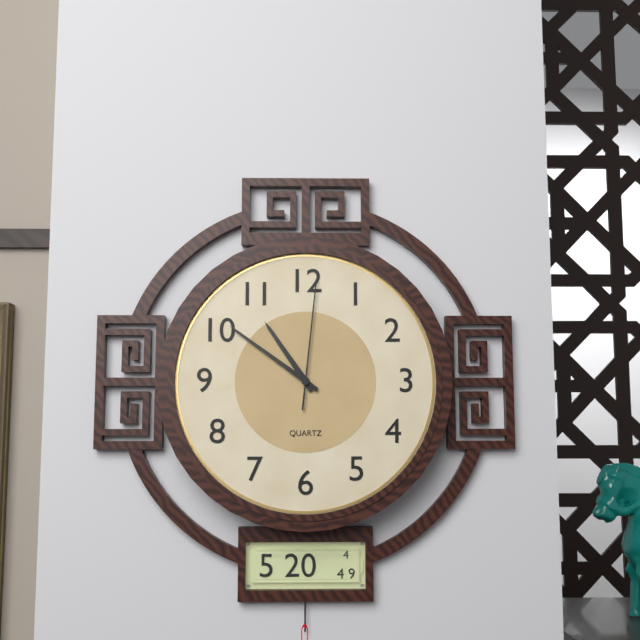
10:51:01
